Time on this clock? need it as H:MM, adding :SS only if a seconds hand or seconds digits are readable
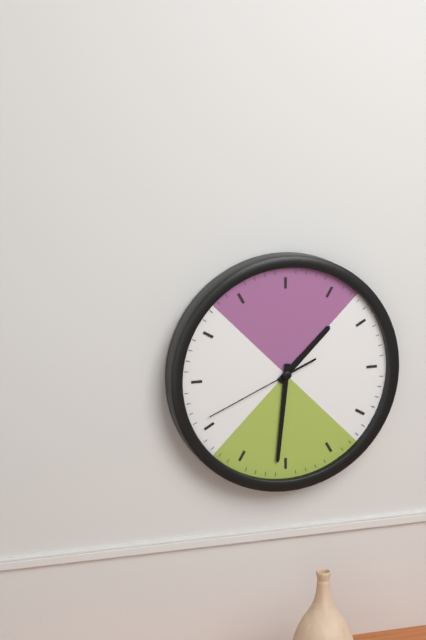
1:31:41
